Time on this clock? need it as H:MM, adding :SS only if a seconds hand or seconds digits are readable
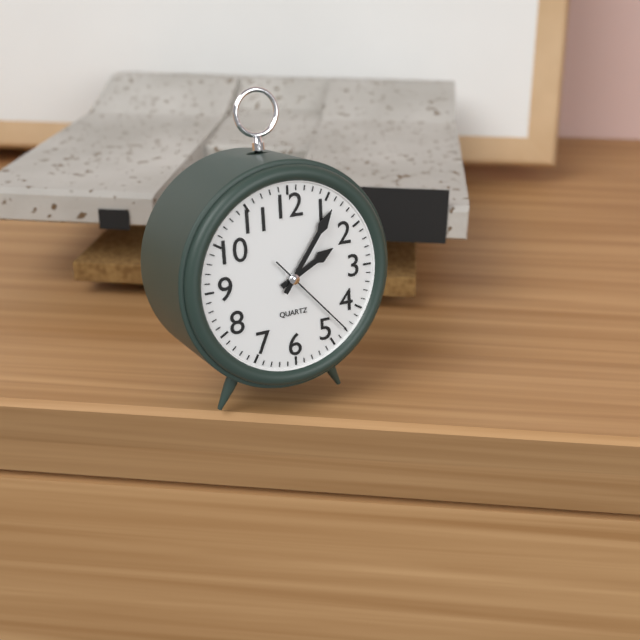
2:06:23
